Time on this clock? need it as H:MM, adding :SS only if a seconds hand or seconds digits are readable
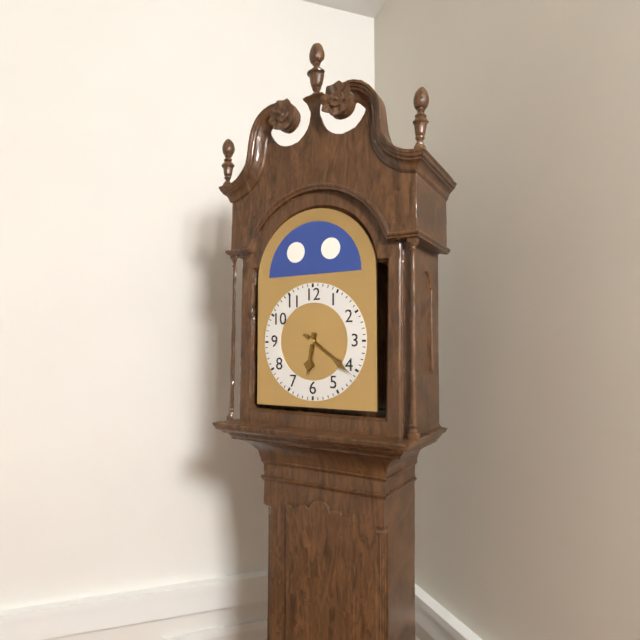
6:21
